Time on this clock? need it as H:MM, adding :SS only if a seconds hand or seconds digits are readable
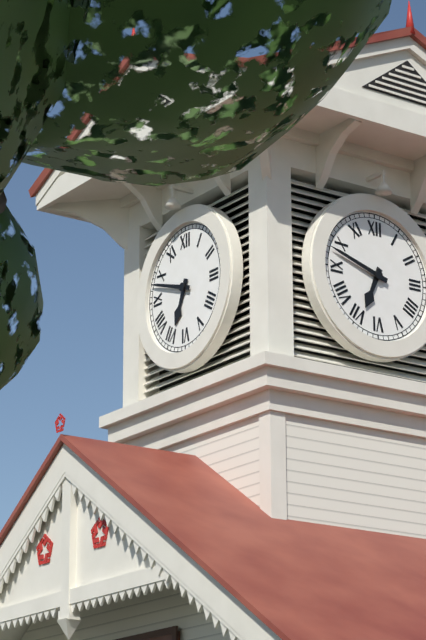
6:48
